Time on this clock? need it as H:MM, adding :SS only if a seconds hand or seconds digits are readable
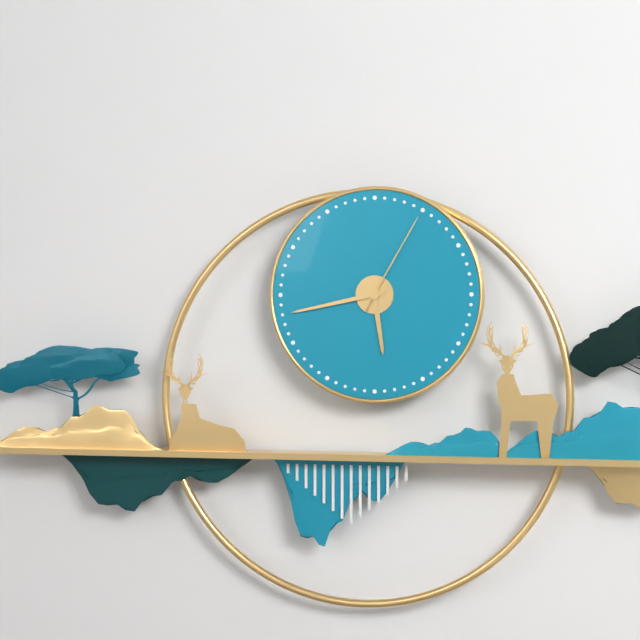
5:43:05
